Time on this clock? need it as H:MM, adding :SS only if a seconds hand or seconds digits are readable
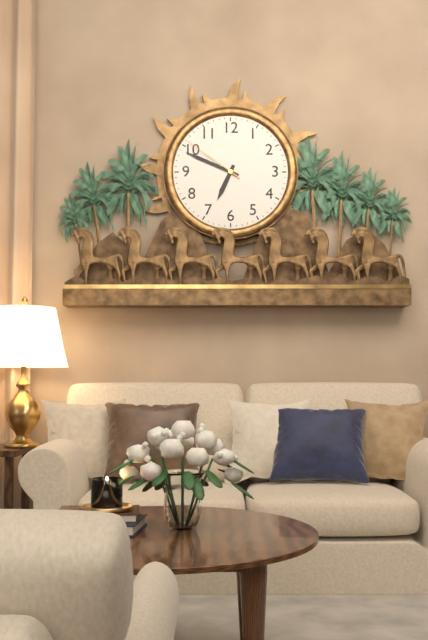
6:49:51
